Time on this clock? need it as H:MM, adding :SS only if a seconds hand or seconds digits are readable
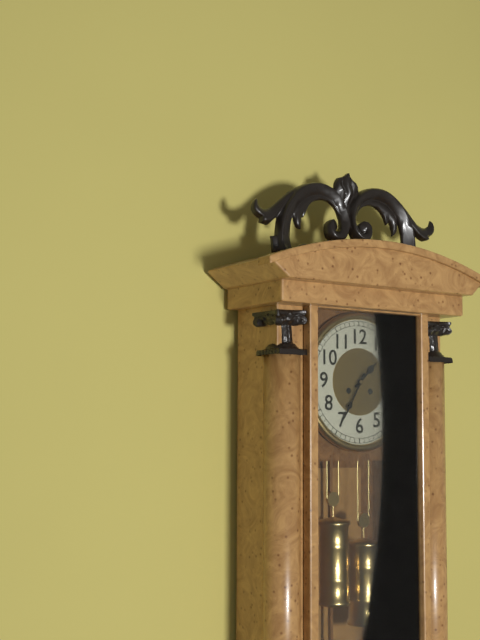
1:35
